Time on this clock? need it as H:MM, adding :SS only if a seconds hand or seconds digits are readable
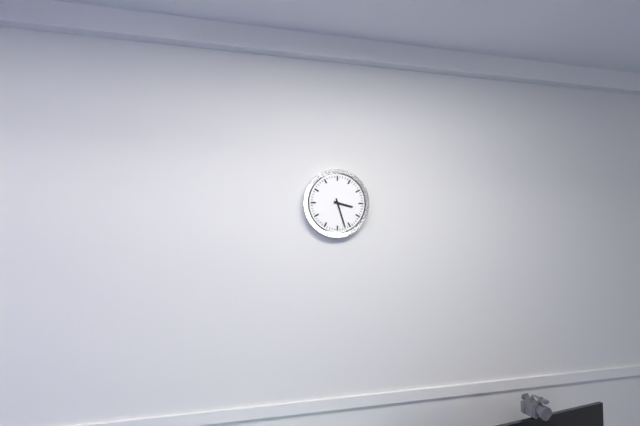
3:27
